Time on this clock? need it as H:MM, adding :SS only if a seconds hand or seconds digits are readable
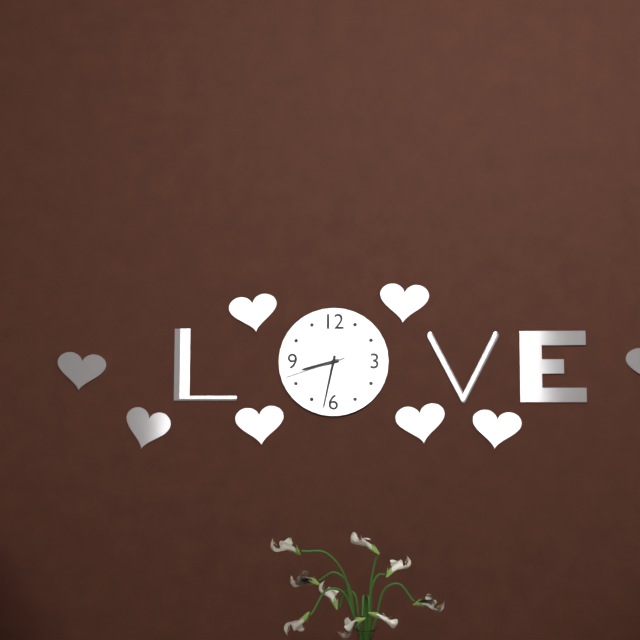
8:32:42
